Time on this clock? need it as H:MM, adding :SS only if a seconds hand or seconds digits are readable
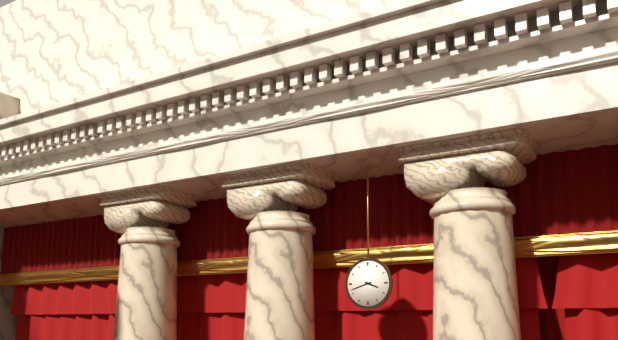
3:42
